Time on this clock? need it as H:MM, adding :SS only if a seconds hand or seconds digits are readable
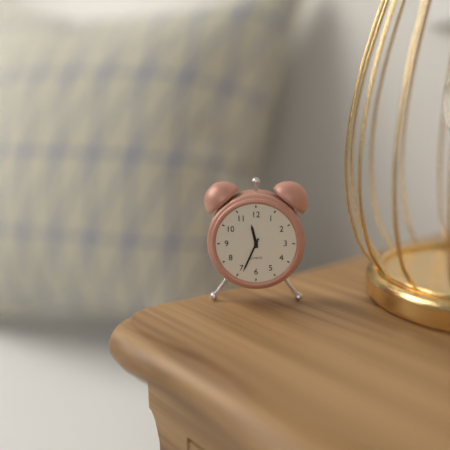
11:34
